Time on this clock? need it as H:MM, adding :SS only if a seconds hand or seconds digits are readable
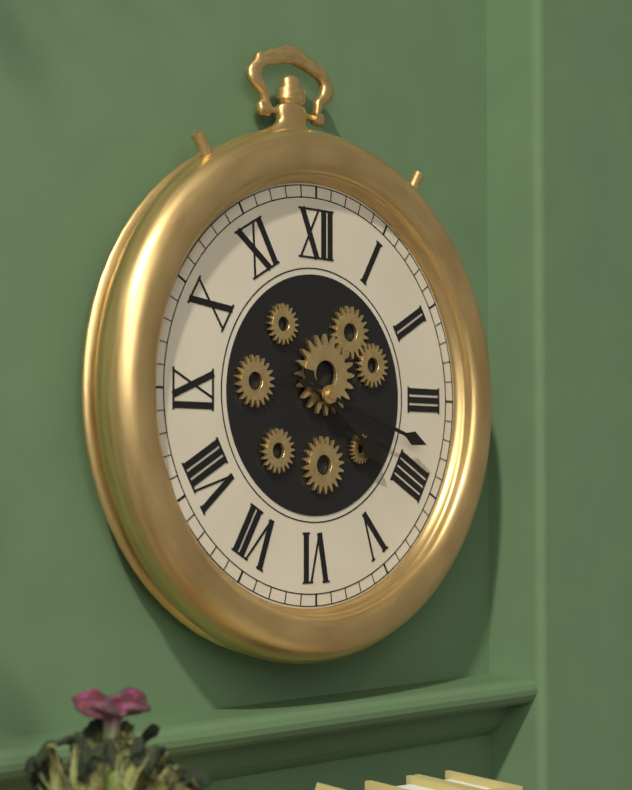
4:18
